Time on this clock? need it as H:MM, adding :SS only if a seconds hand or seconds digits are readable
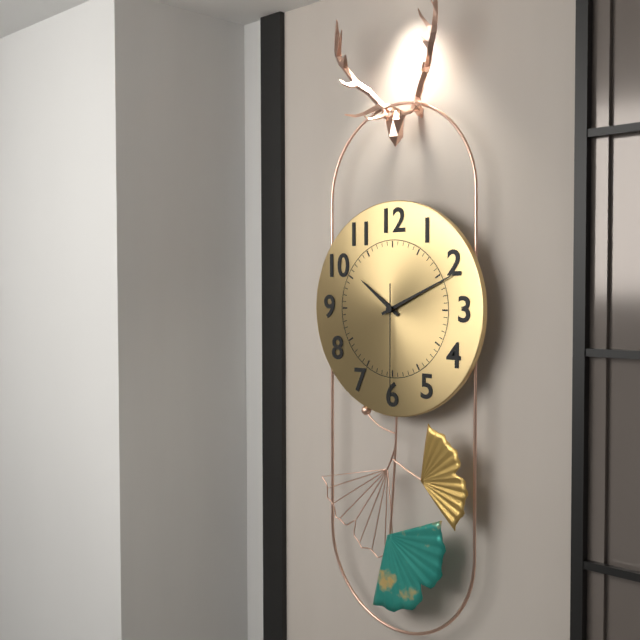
10:11:30
